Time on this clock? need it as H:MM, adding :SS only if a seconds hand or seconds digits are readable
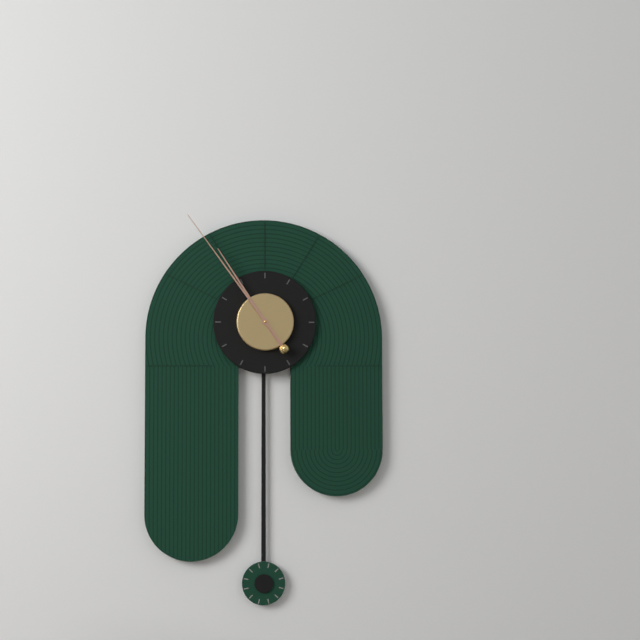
10:54
